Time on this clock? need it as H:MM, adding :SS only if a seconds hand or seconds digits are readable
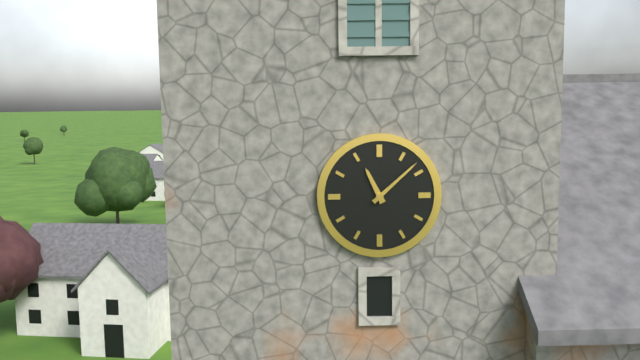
11:08
